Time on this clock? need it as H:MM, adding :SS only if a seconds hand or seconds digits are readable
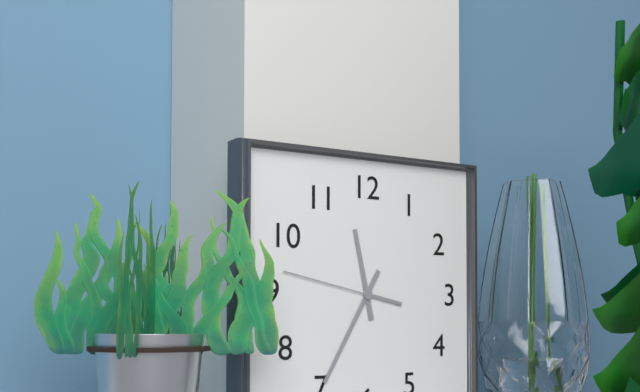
11:35:47
